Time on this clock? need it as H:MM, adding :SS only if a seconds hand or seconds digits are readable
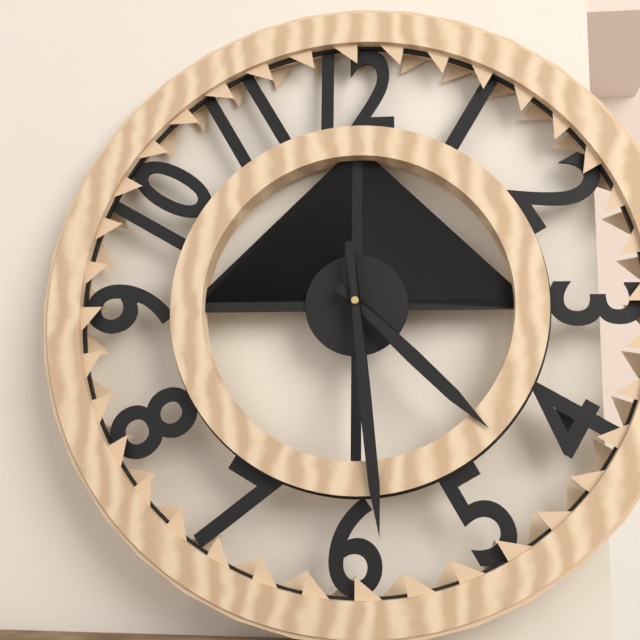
4:29
